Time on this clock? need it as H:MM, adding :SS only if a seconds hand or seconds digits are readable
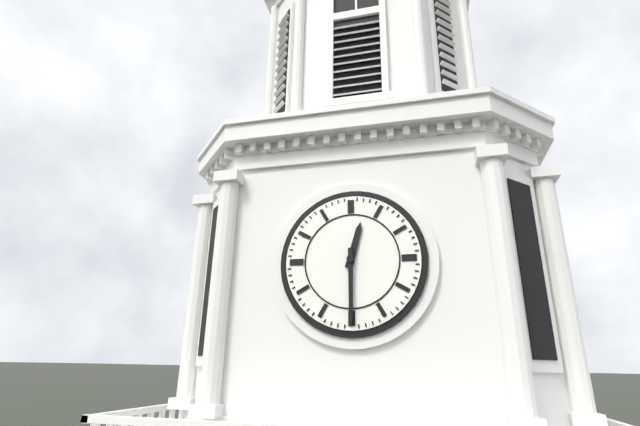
12:30
